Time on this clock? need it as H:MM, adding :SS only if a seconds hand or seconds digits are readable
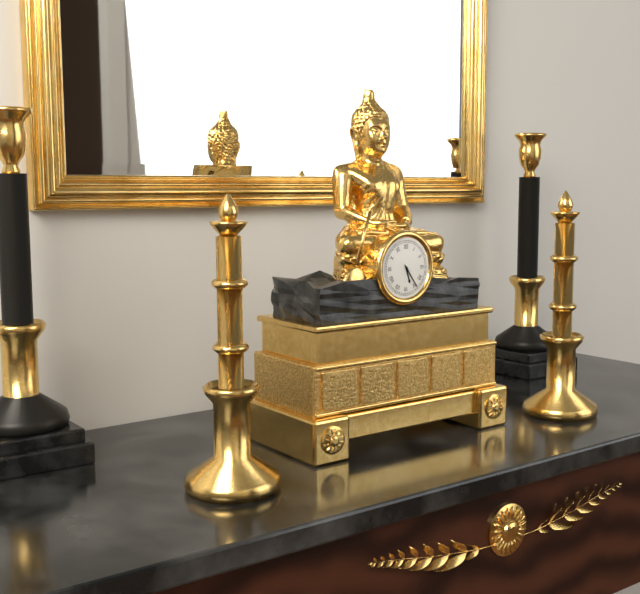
5:24
